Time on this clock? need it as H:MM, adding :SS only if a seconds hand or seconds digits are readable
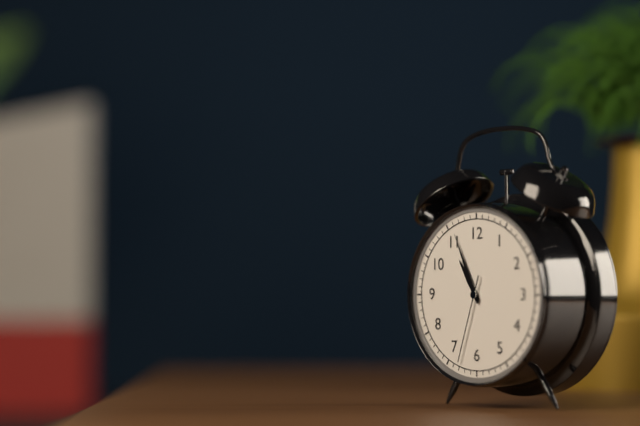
10:56:33
